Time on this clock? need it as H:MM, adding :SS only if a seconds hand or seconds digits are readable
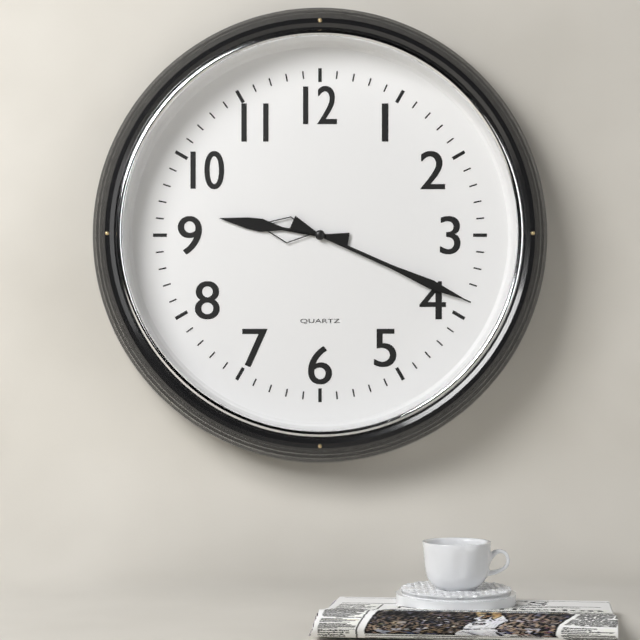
9:19
